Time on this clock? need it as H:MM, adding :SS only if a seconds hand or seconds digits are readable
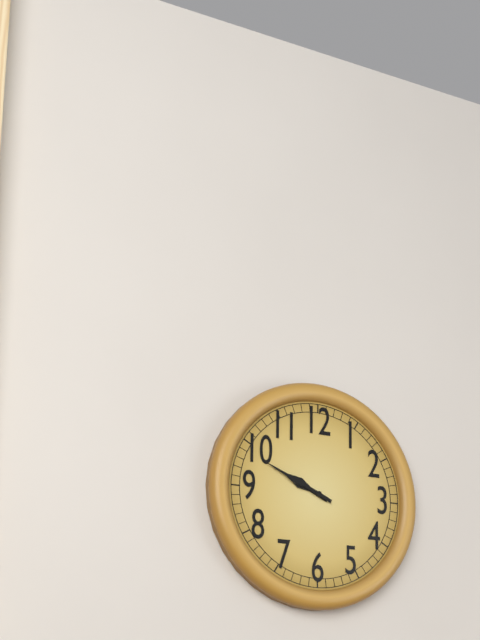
9:49
